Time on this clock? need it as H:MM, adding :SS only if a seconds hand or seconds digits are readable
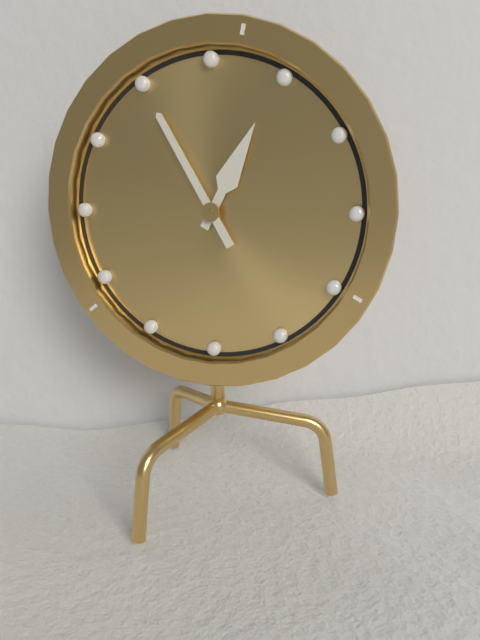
12:55
